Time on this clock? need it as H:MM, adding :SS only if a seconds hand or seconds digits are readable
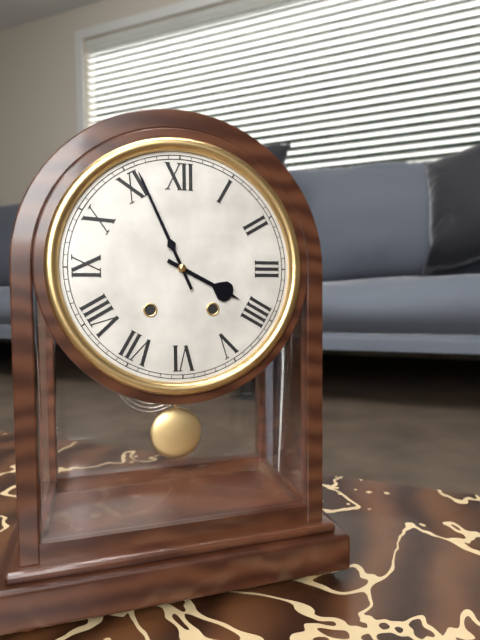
3:56
